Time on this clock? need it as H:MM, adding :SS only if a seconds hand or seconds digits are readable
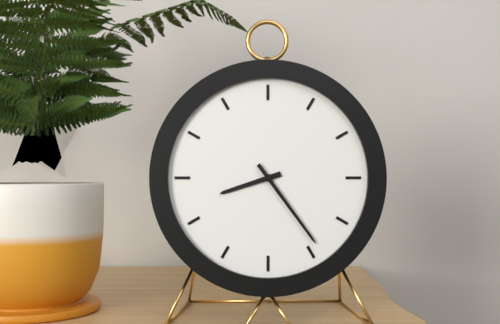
8:24
